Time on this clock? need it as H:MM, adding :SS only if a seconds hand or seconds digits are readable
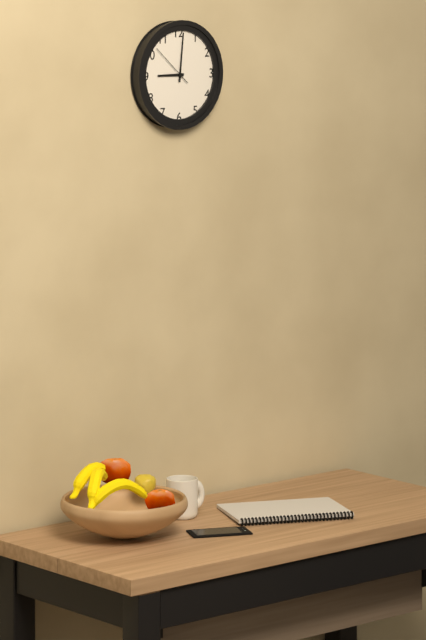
9:01
